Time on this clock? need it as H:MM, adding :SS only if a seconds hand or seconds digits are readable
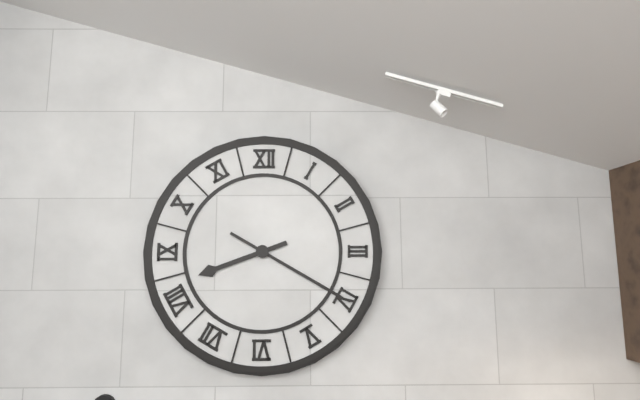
8:20
